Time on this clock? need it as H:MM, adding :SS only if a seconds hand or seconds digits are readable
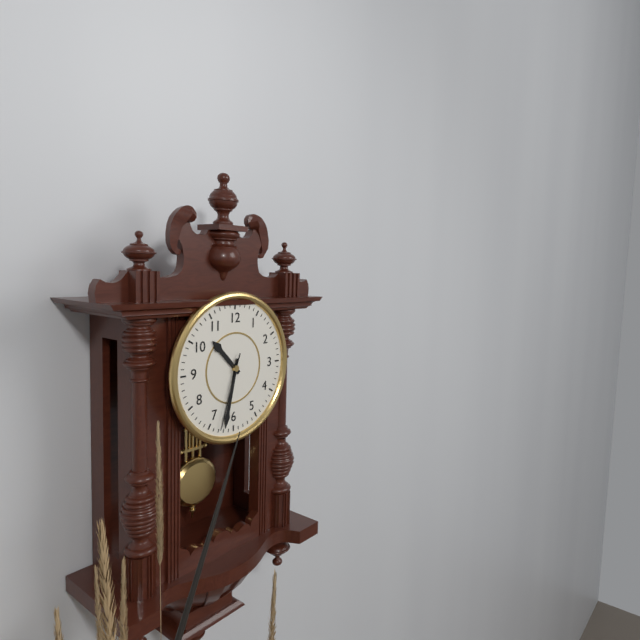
10:32:33
